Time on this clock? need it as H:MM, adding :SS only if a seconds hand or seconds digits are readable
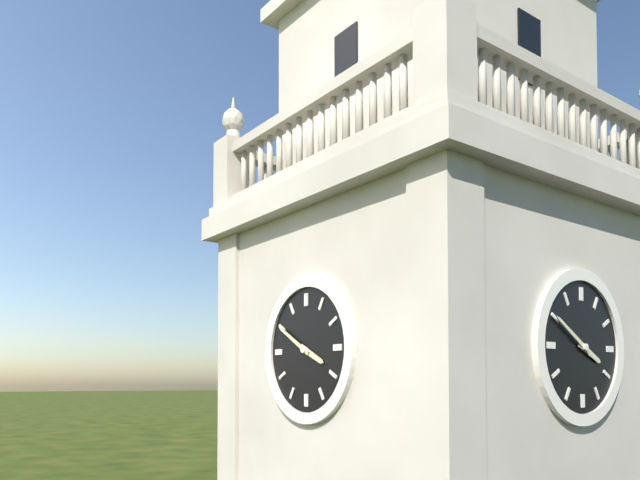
3:50
